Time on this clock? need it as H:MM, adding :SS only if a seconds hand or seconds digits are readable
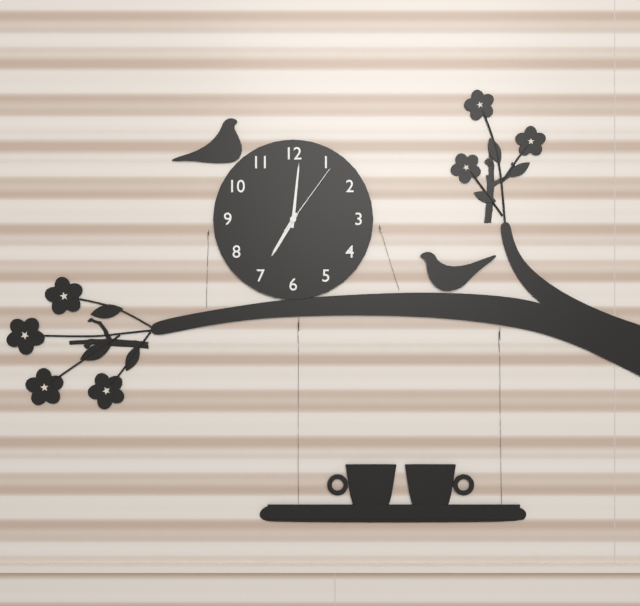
7:01:06
